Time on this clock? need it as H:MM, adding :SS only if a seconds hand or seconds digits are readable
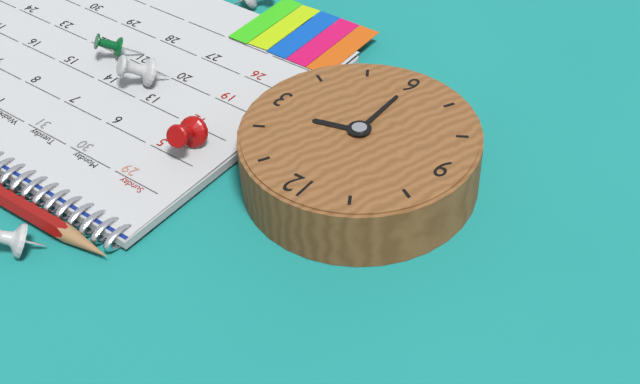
2:30
